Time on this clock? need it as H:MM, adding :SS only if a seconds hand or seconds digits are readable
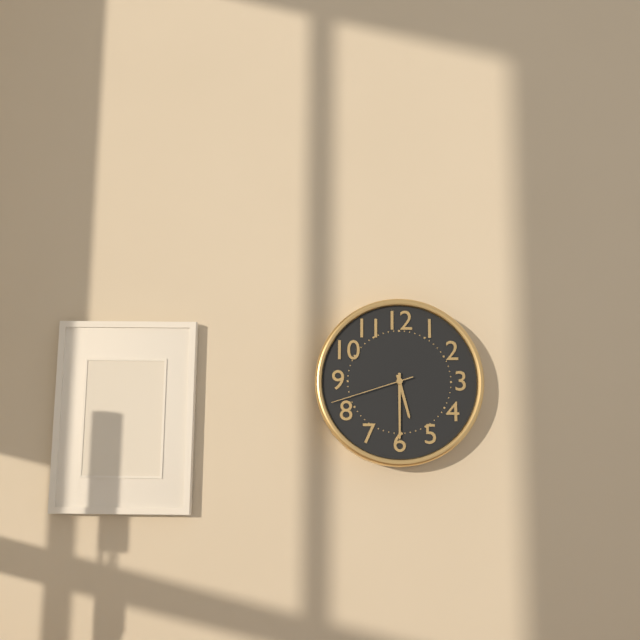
5:30:42
